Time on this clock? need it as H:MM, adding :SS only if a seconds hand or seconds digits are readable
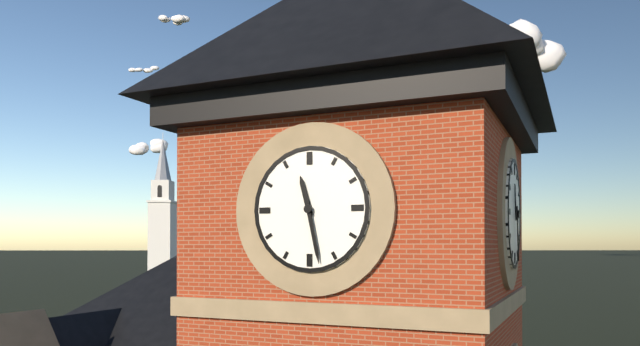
11:28
